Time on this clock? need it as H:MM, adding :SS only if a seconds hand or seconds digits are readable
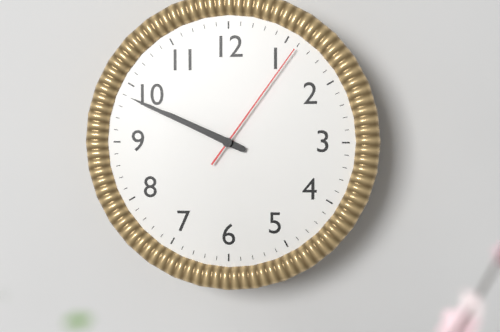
9:49:06
